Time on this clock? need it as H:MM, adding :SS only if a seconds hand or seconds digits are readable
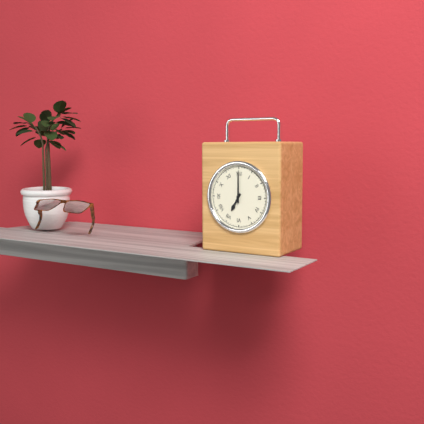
7:00
